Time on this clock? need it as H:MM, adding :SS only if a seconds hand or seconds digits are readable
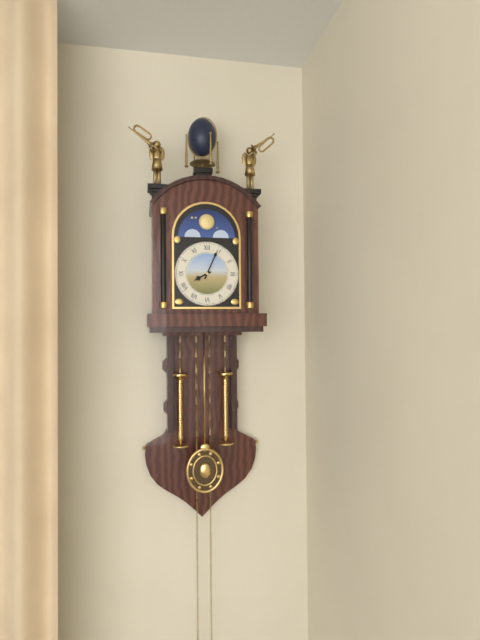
8:04
